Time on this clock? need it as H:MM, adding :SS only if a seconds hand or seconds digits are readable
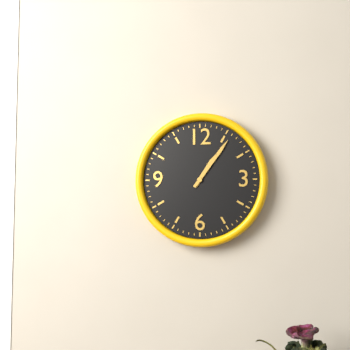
1:06
